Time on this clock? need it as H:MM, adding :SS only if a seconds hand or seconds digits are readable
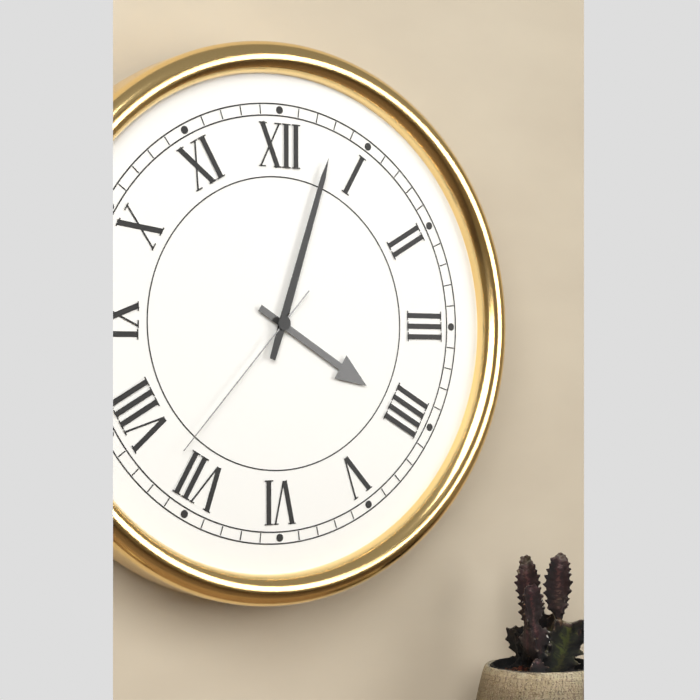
4:03:37
